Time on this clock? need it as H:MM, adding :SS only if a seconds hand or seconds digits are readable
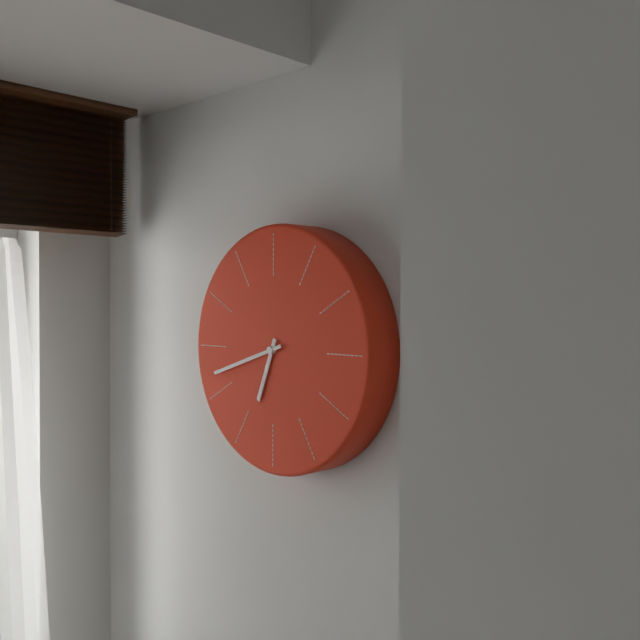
6:42
